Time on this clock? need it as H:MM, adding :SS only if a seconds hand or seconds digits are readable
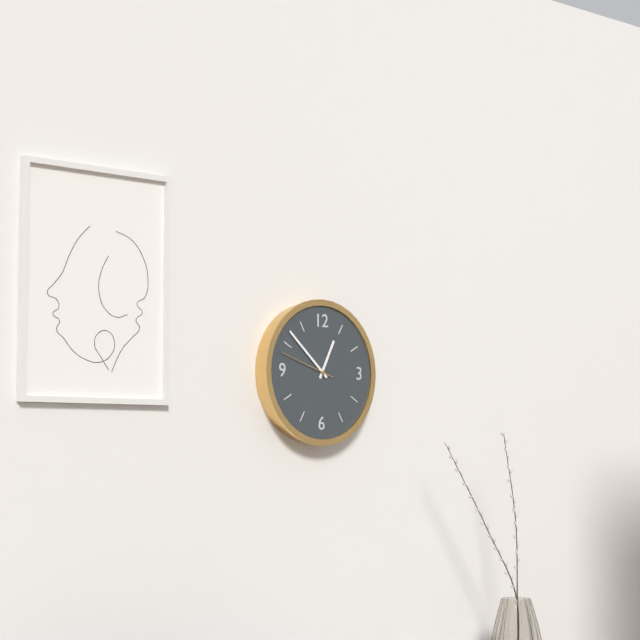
12:52:48
